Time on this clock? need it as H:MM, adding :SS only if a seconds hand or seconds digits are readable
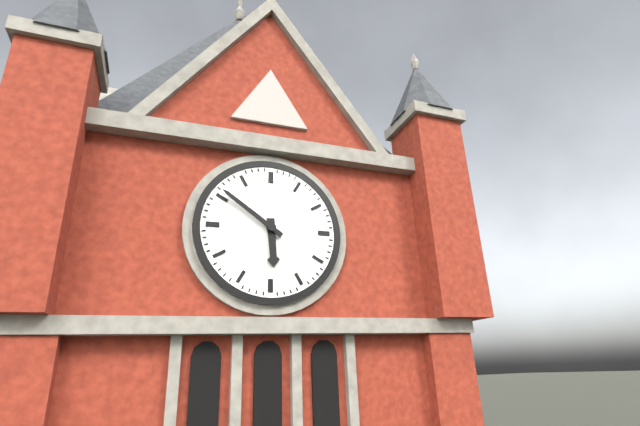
5:51
